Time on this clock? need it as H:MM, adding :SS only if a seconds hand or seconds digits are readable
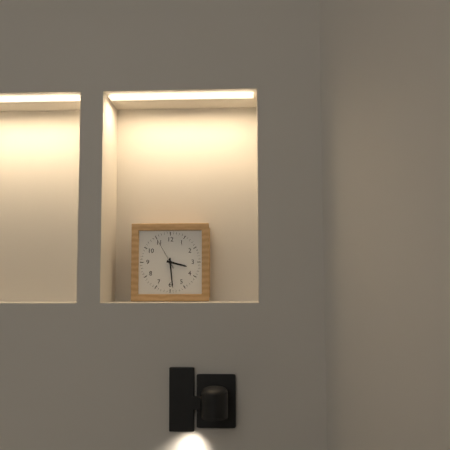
3:29
